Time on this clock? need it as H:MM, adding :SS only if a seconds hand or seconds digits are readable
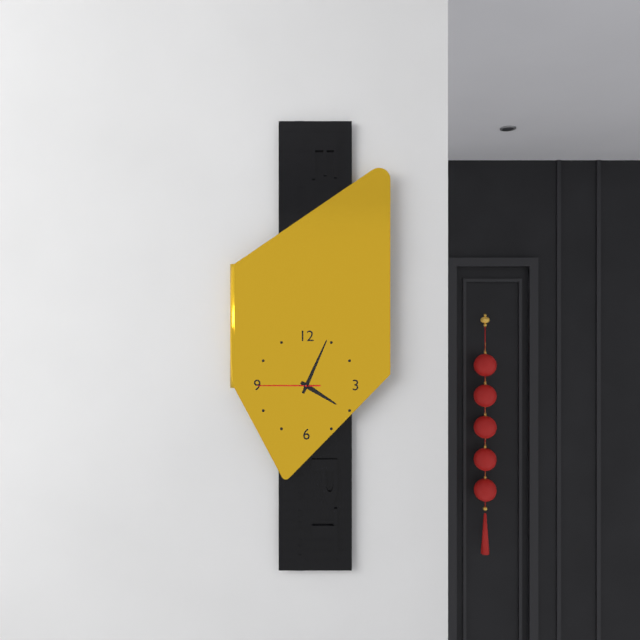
4:04:45
